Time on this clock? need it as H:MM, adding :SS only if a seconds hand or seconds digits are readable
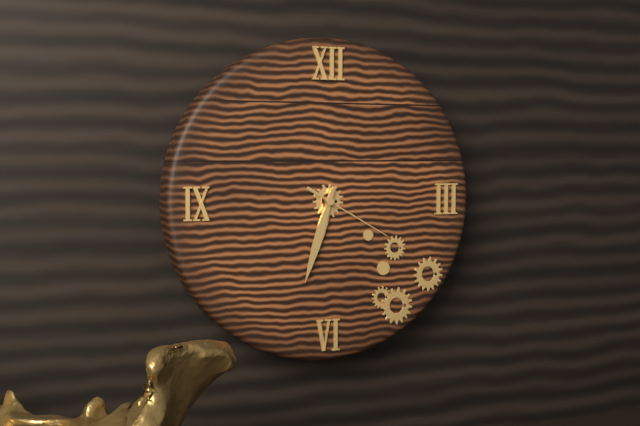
6:33:20
